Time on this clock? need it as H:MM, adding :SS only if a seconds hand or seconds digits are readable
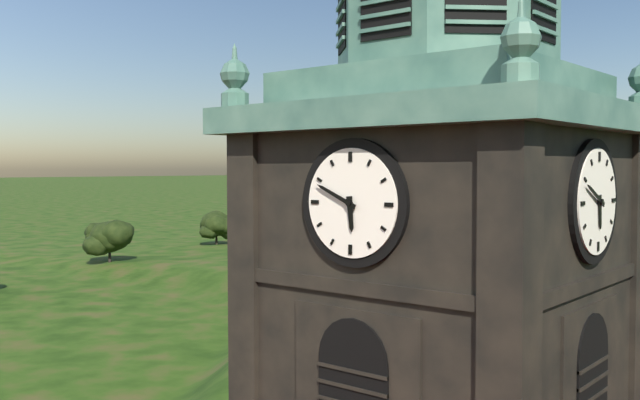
5:49
